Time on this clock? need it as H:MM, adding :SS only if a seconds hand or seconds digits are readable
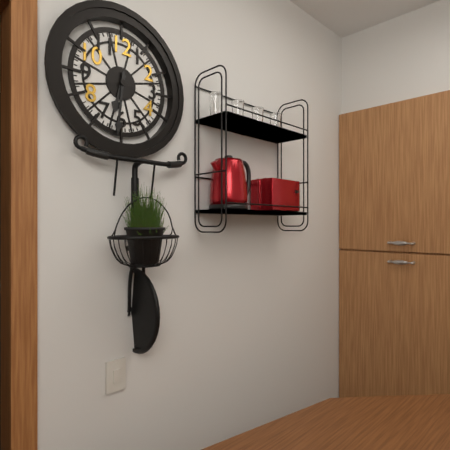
6:31
